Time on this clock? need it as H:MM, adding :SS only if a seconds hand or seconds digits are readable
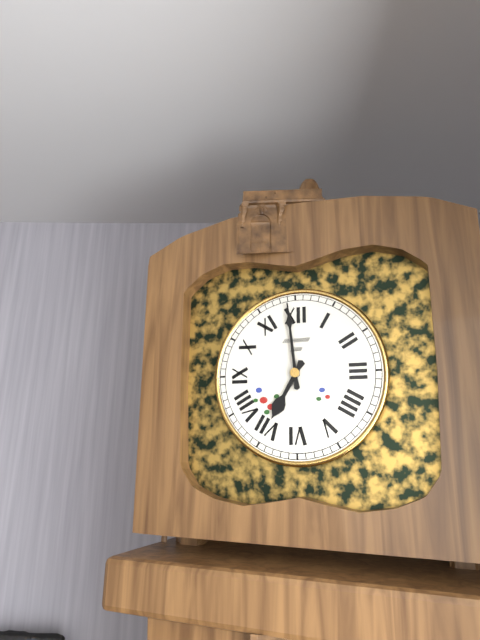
6:59
